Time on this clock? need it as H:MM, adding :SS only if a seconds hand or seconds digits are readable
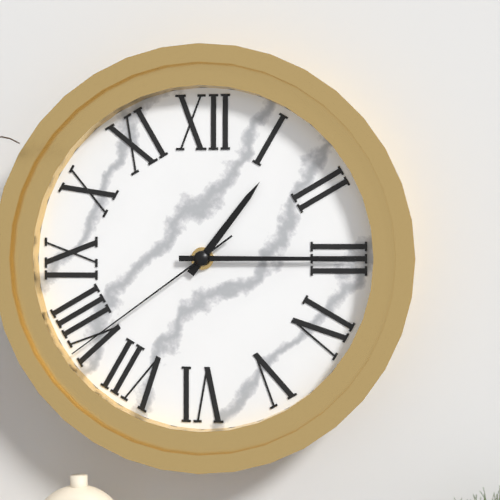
1:15:39
